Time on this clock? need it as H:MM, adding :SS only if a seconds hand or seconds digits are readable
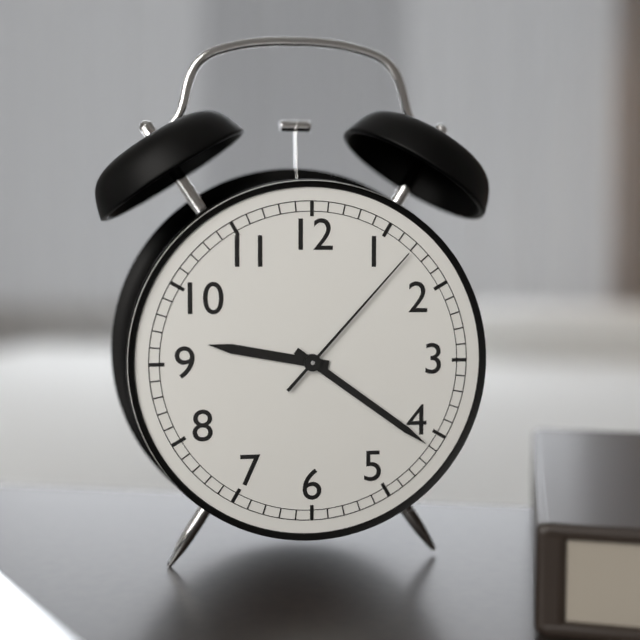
9:21:07
